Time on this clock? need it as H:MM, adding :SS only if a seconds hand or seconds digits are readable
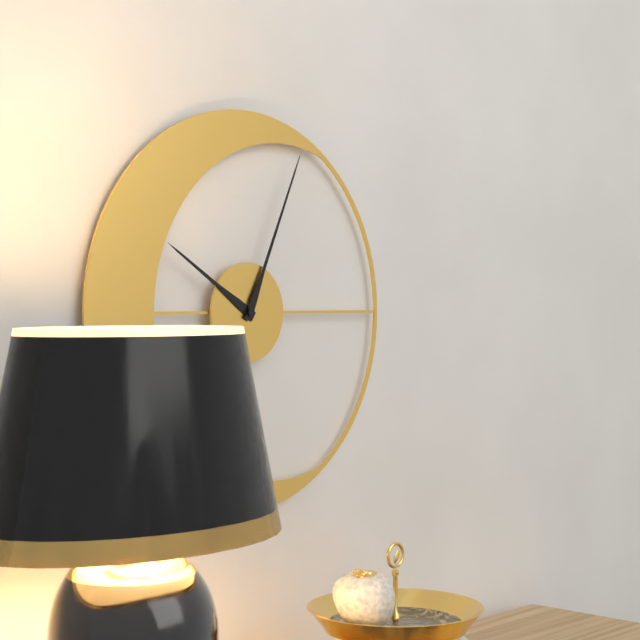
10:04
